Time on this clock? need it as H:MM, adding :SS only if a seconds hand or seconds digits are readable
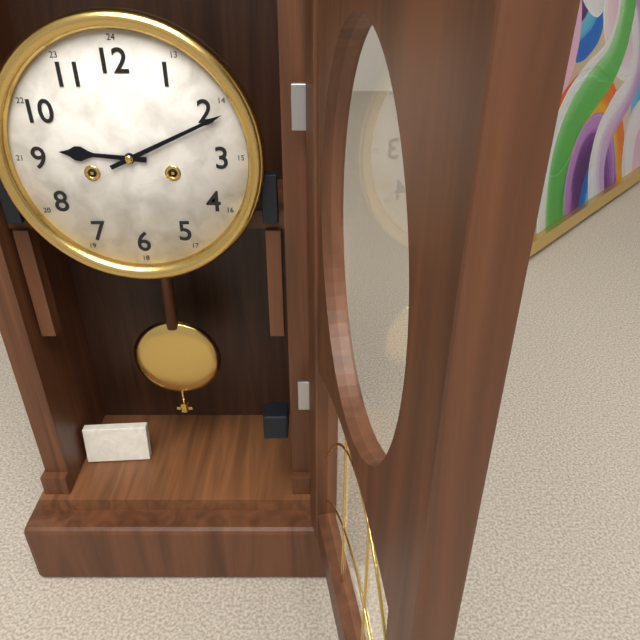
9:11
